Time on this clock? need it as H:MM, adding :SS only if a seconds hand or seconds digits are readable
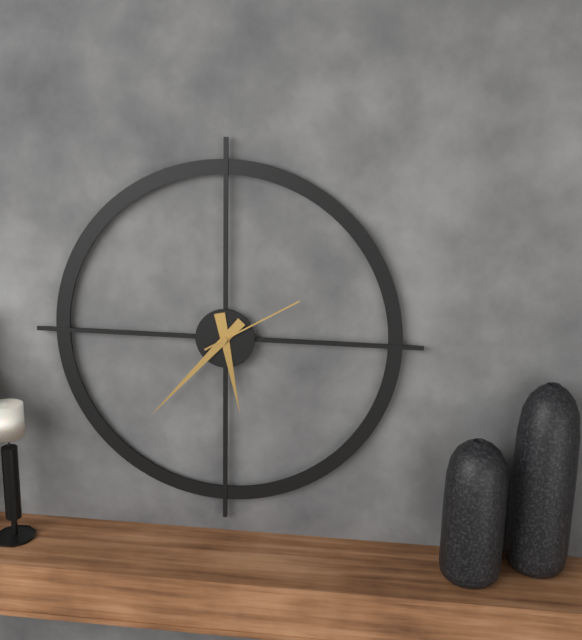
5:37:10
